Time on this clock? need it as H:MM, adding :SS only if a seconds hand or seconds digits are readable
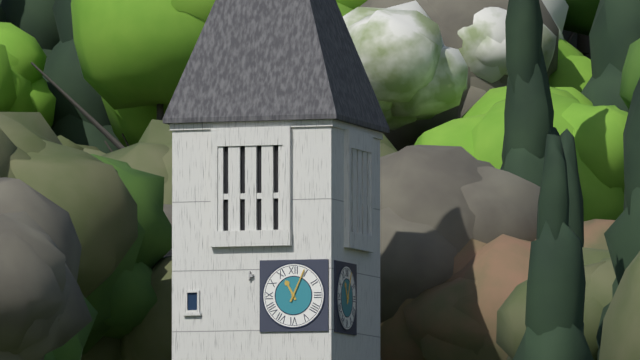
11:04
